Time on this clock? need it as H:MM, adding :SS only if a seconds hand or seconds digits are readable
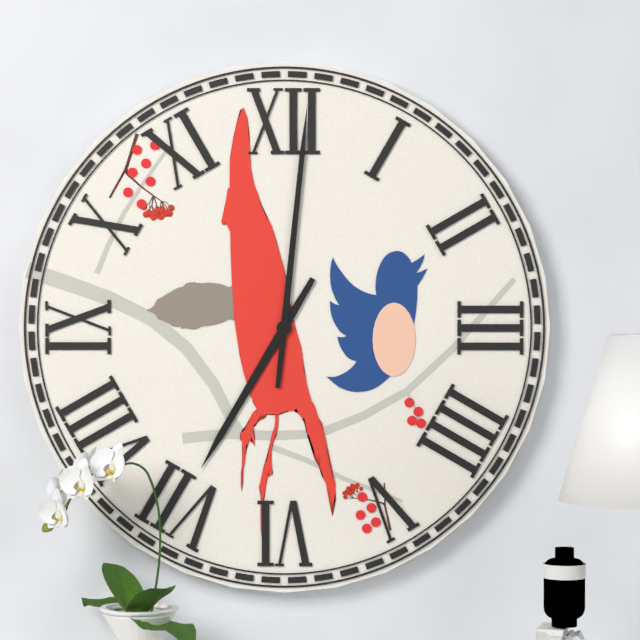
7:01
